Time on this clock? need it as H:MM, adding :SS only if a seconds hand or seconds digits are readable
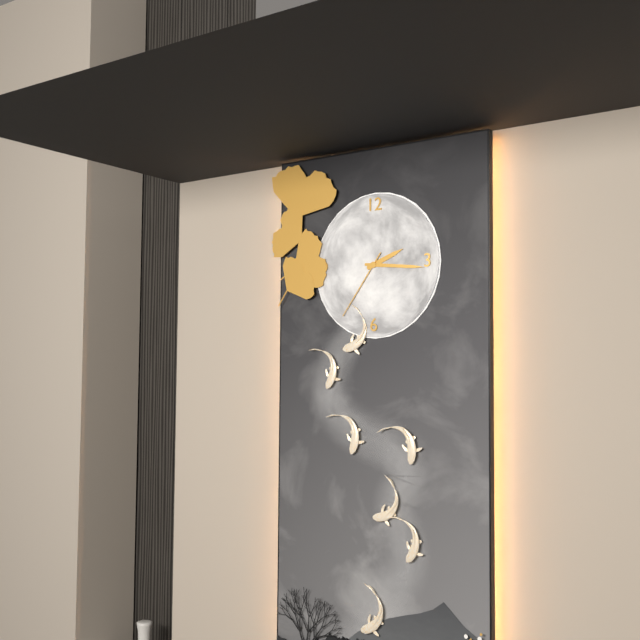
2:16:36
